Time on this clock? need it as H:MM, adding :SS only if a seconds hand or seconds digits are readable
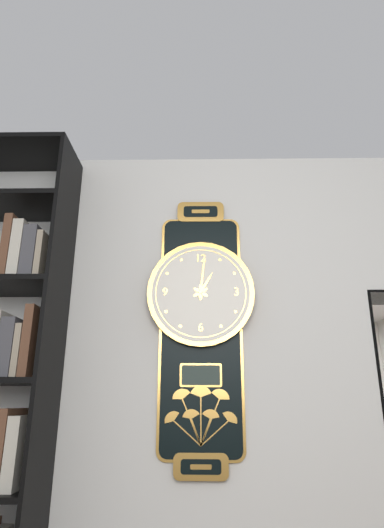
1:01
